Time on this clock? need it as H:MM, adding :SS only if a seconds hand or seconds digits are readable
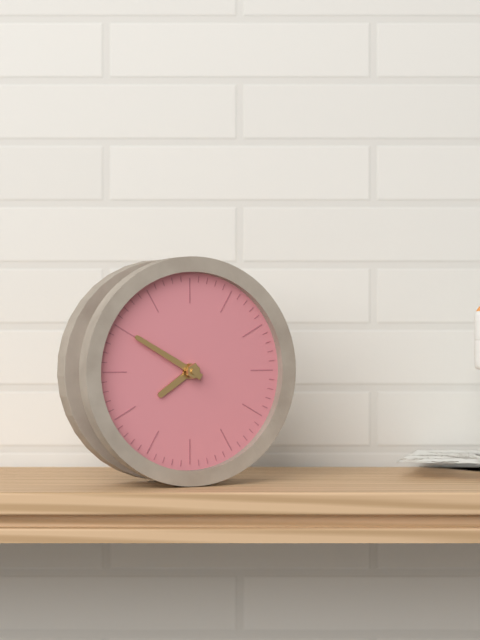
7:50
